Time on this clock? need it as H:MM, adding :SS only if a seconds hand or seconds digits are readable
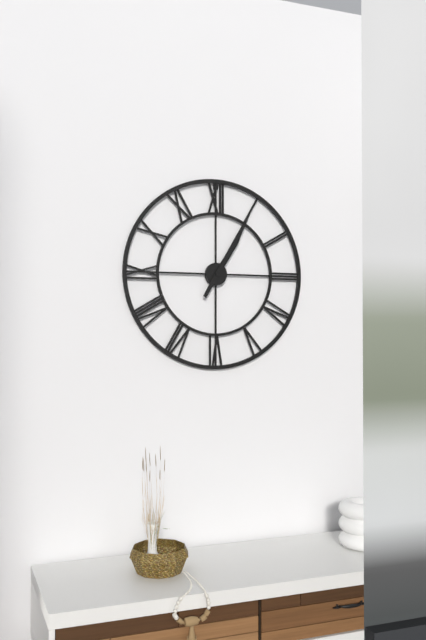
1:05
